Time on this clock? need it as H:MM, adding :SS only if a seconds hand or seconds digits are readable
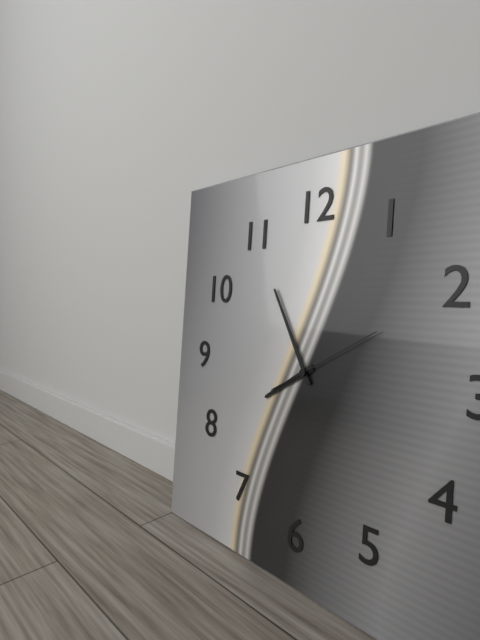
7:55:10
